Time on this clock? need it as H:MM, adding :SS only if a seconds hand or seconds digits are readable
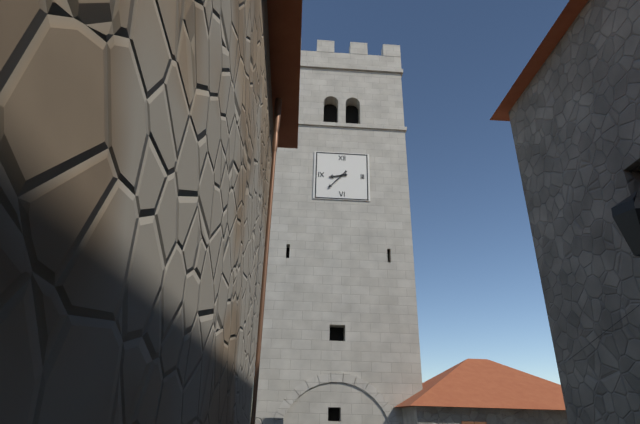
8:37
